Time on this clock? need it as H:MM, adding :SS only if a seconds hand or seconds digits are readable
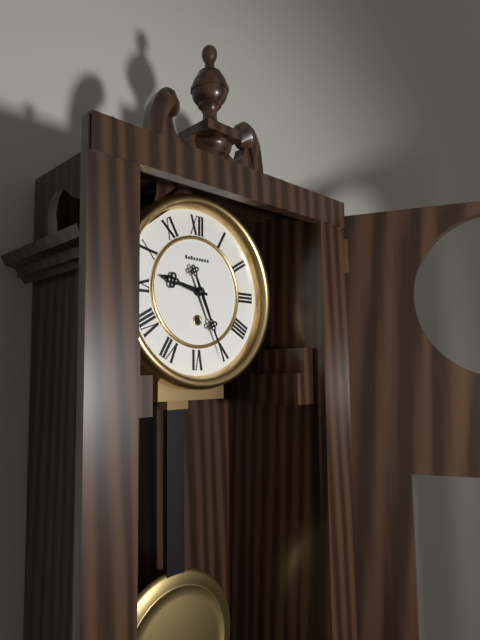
9:26
